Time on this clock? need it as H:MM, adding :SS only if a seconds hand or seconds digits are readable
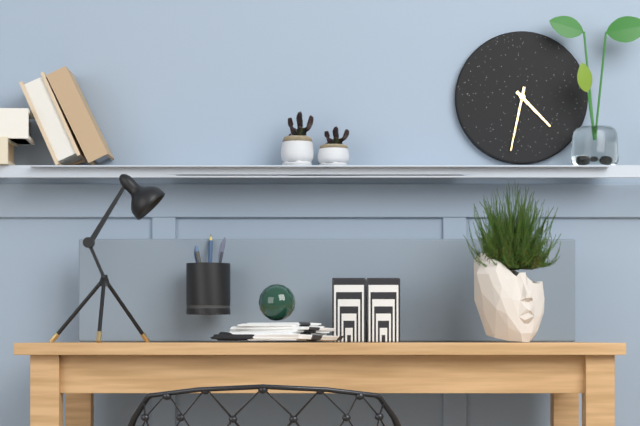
4:32
